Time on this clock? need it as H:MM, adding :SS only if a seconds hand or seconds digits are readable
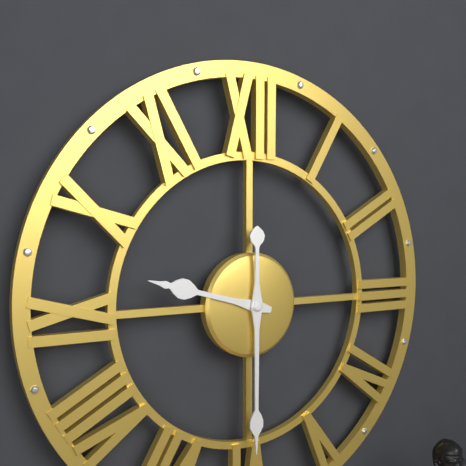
9:30
